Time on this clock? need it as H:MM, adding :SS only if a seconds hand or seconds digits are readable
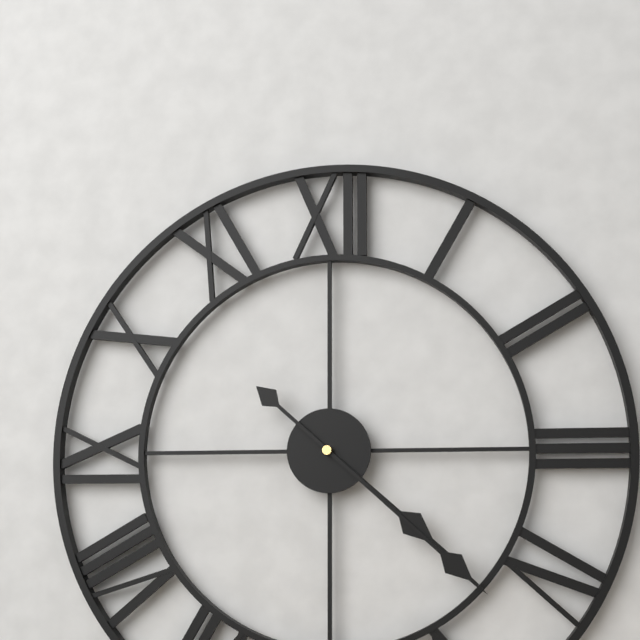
4:22
